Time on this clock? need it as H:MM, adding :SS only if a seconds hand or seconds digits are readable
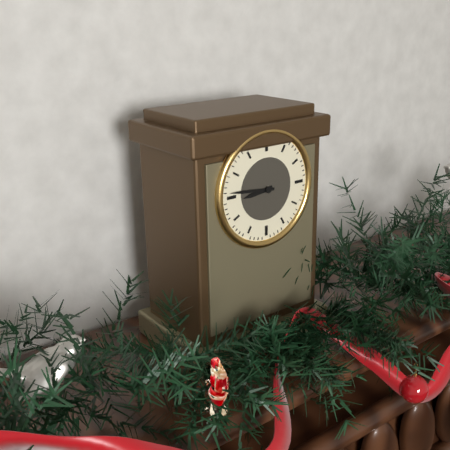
8:46
